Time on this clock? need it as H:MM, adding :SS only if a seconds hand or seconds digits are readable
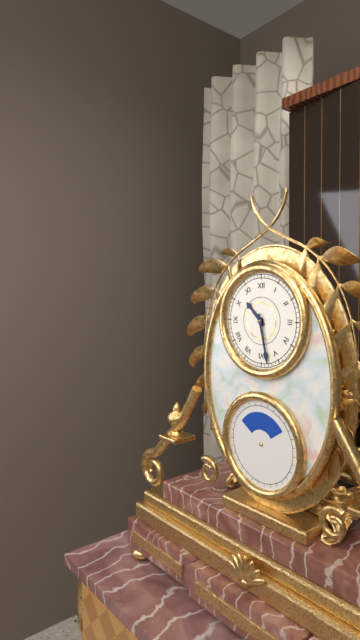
10:28
